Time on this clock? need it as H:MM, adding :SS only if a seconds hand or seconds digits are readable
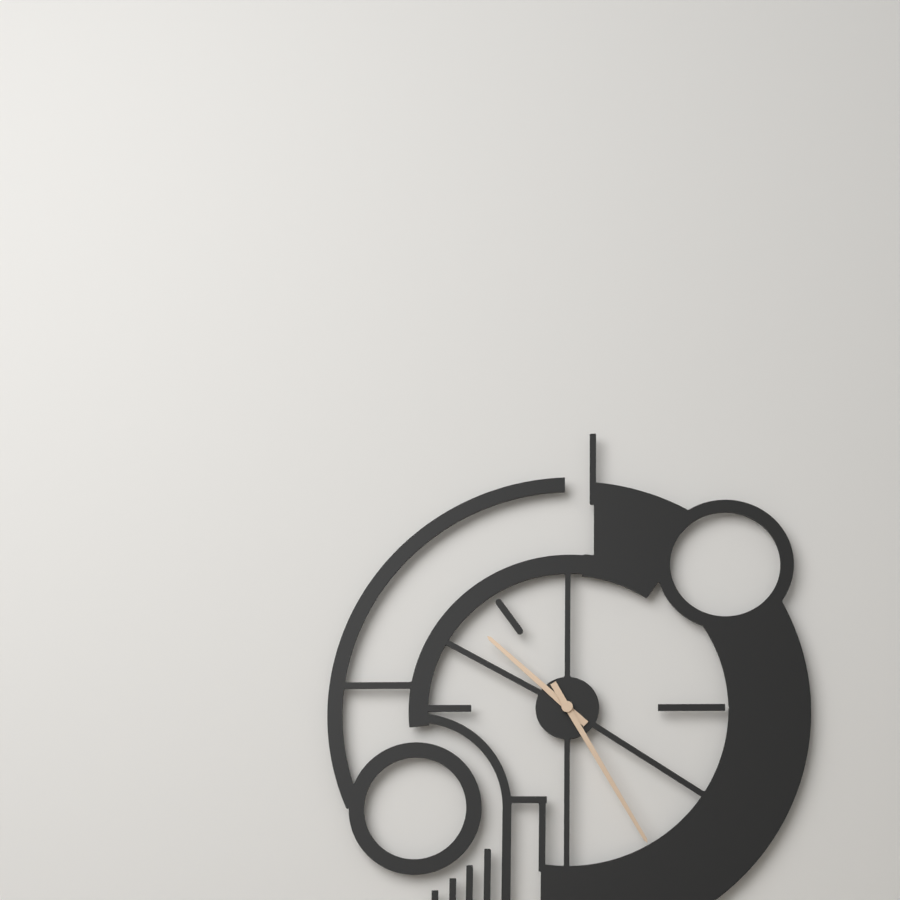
10:25
